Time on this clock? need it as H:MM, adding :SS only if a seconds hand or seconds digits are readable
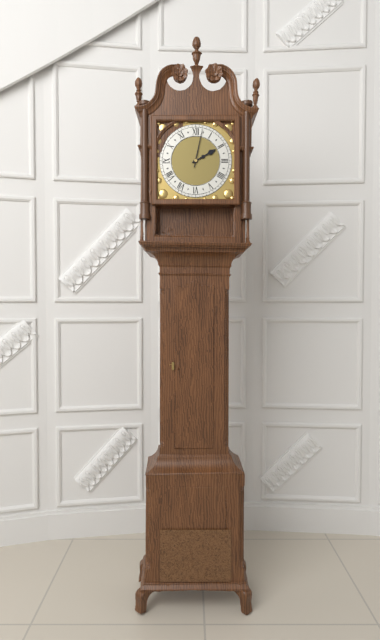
2:02
